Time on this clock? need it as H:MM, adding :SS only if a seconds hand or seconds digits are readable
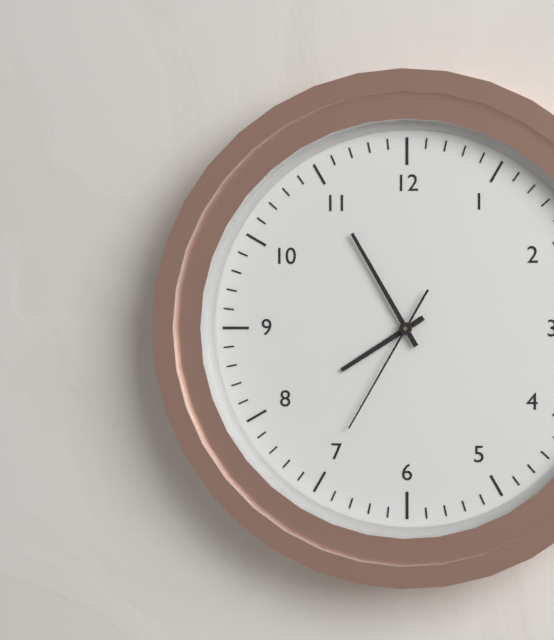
7:55:35
